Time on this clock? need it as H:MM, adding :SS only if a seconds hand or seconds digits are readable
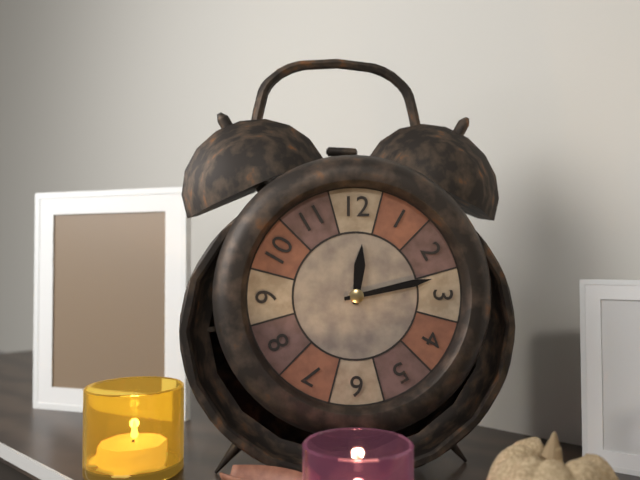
12:13
